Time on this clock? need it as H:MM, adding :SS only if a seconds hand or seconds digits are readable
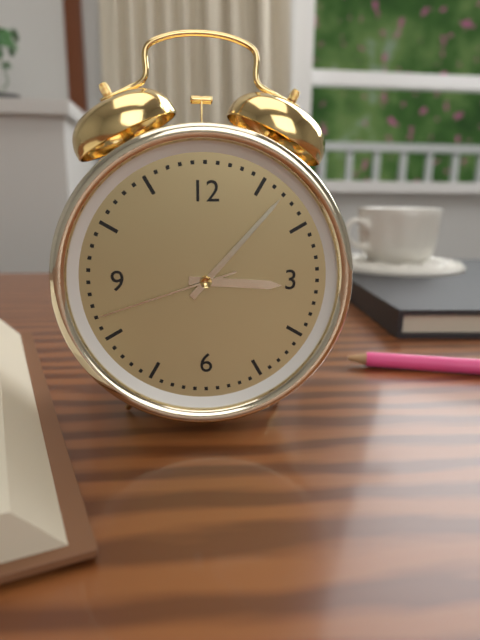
3:07:42
